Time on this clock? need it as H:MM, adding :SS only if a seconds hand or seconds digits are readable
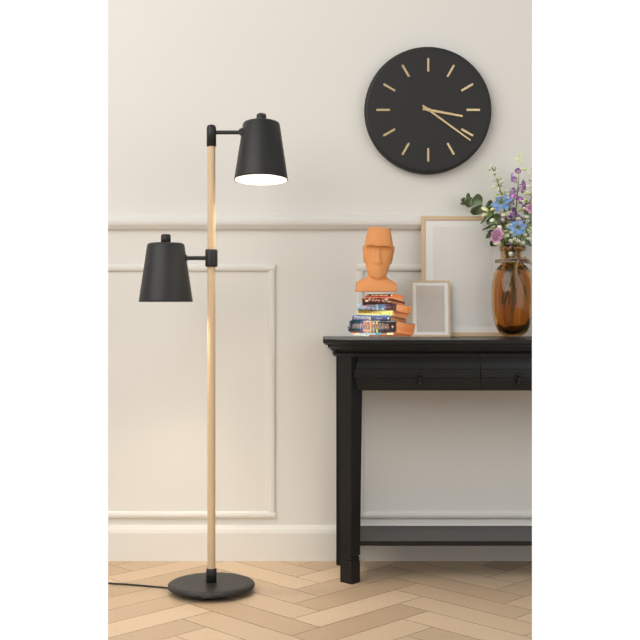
3:21
